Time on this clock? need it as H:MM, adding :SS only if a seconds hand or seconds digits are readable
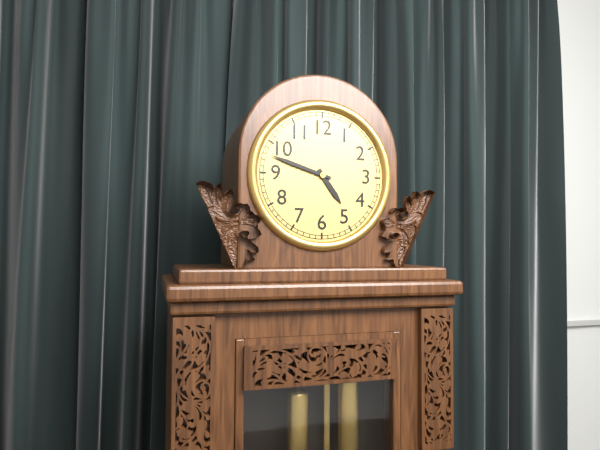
4:48
